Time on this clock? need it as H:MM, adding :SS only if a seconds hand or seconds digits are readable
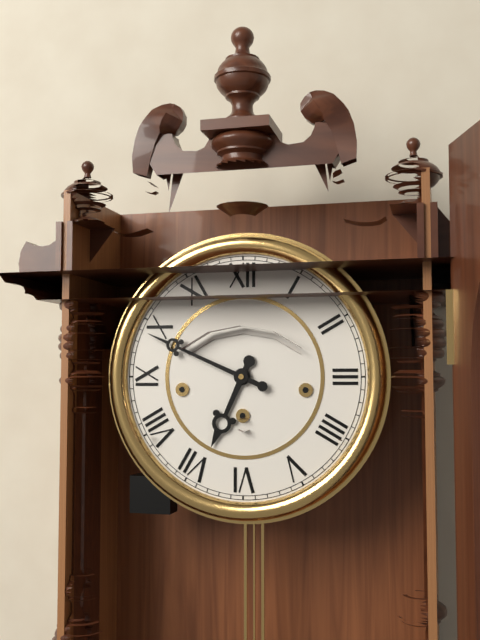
6:49
